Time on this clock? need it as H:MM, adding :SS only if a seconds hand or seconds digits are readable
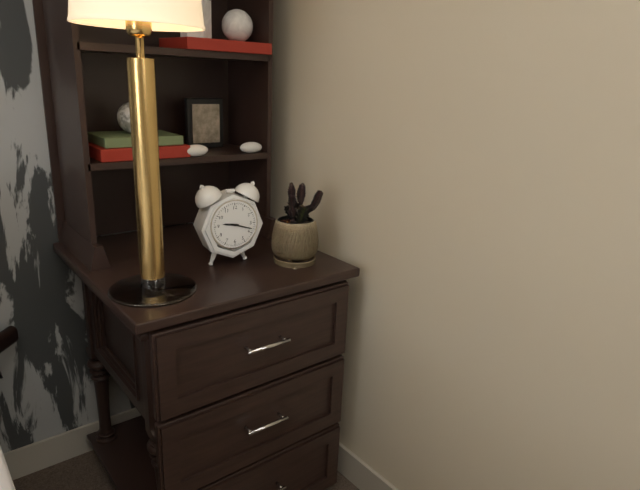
9:18
